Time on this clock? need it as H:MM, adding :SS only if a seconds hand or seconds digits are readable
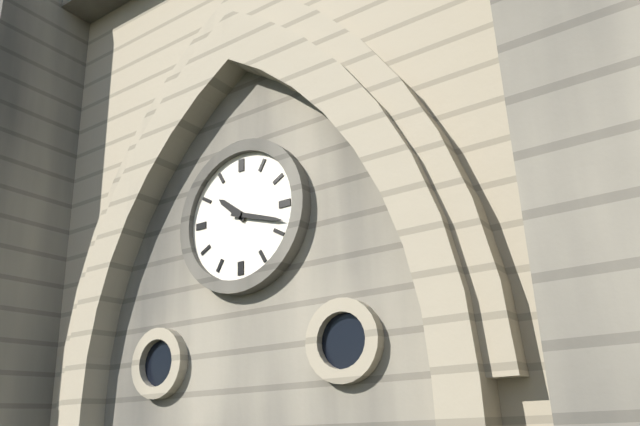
10:18
